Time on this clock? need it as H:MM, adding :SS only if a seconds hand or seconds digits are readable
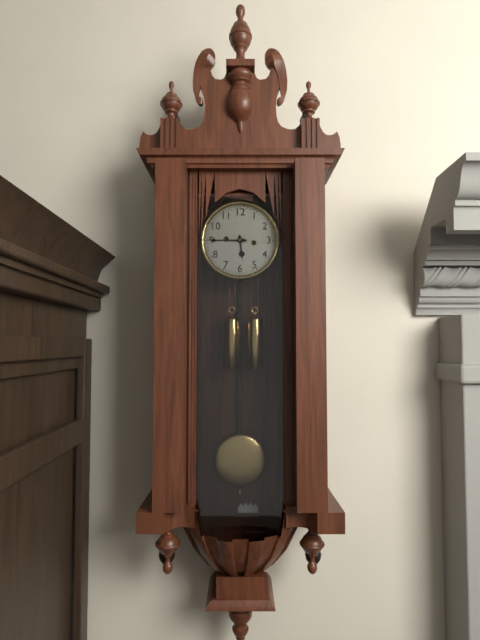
5:45
